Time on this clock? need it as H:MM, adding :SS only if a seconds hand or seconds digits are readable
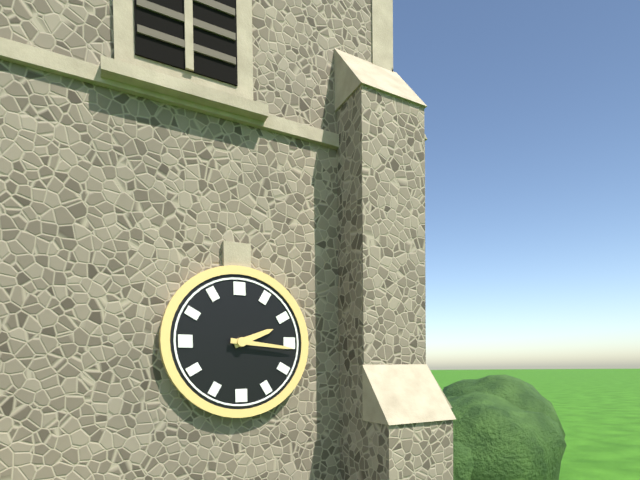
2:16
